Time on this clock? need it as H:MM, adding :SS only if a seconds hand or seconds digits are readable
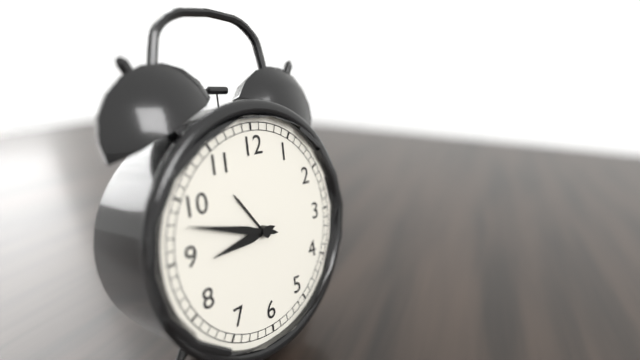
8:48
